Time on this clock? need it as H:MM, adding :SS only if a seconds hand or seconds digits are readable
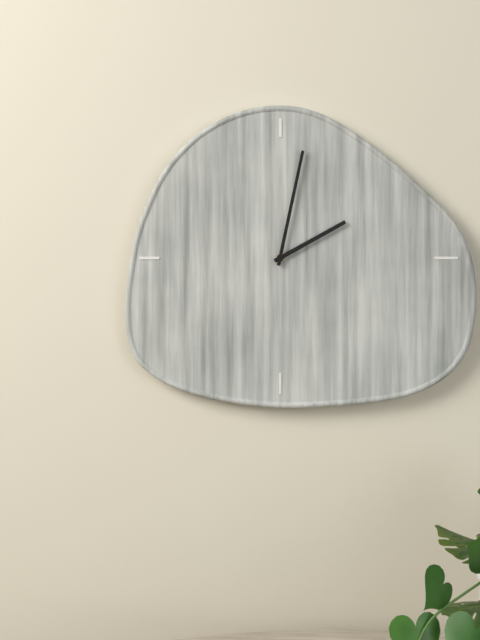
2:02
